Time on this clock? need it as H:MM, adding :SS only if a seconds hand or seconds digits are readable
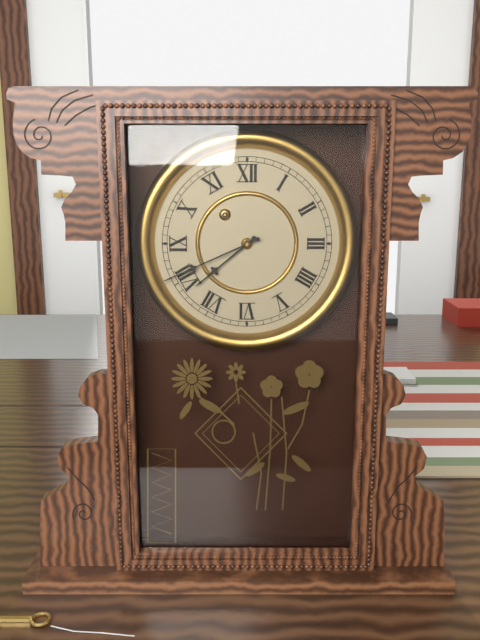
7:41
